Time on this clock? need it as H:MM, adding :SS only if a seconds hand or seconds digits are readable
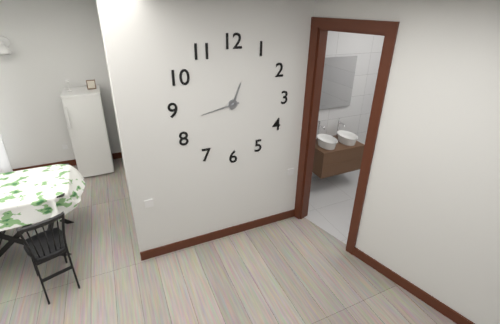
12:43
